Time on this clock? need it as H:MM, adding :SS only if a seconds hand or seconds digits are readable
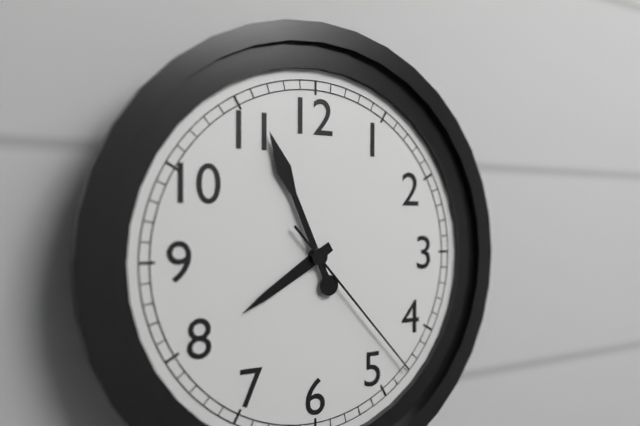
7:56:23
